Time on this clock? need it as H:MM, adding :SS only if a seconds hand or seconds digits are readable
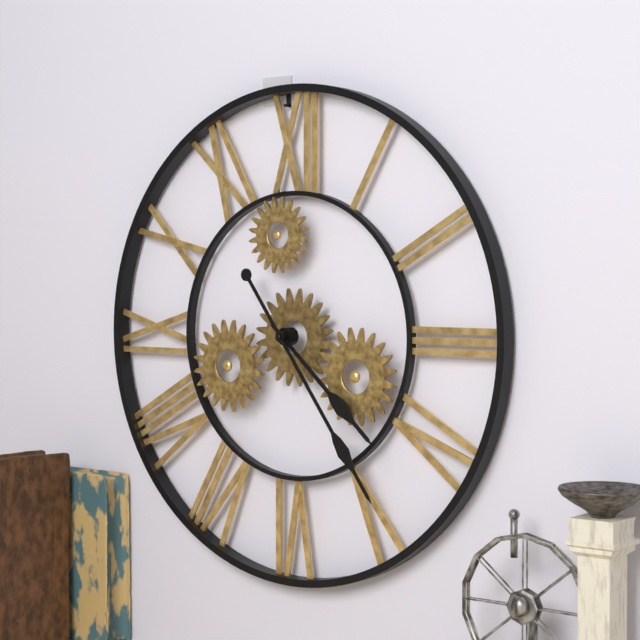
4:24
